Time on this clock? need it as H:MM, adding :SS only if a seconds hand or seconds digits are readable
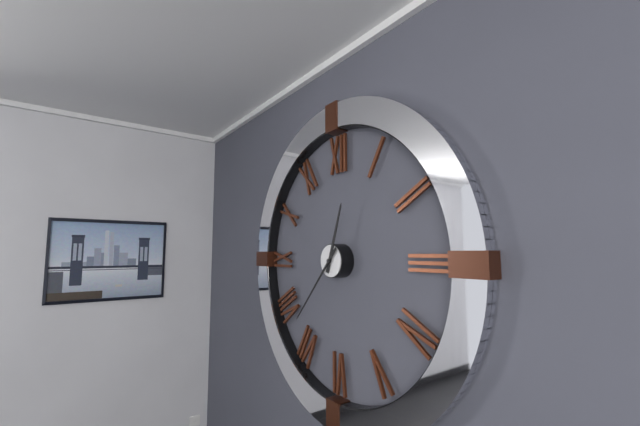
12:37
